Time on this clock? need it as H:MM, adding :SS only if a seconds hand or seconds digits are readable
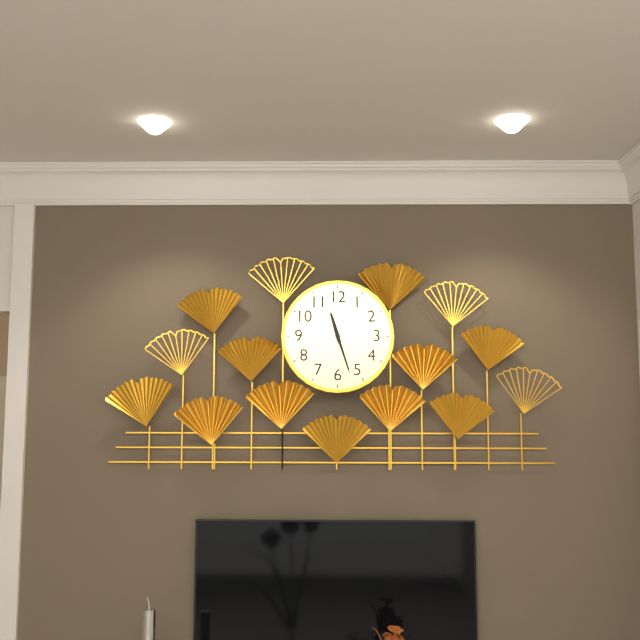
11:27
